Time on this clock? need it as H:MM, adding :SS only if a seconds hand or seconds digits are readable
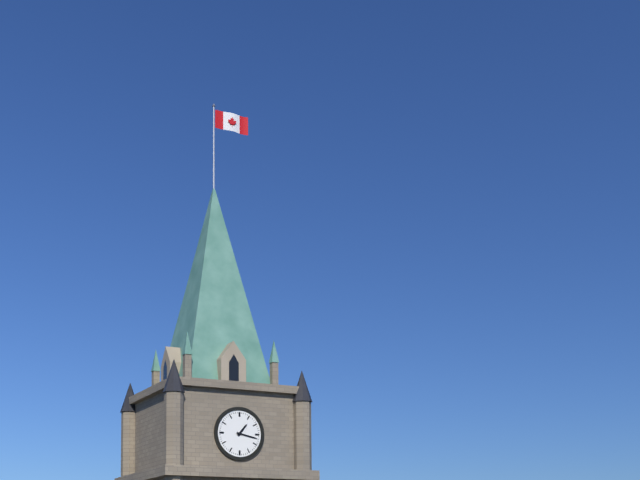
1:17
